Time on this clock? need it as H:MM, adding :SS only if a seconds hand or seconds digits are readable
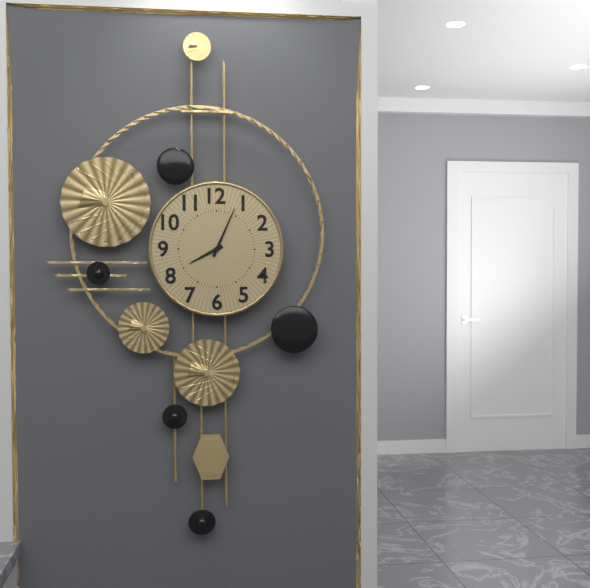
8:04
